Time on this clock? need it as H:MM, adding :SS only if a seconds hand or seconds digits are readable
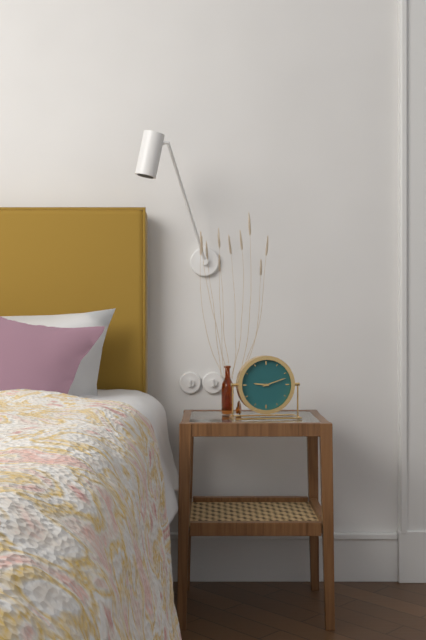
9:12
